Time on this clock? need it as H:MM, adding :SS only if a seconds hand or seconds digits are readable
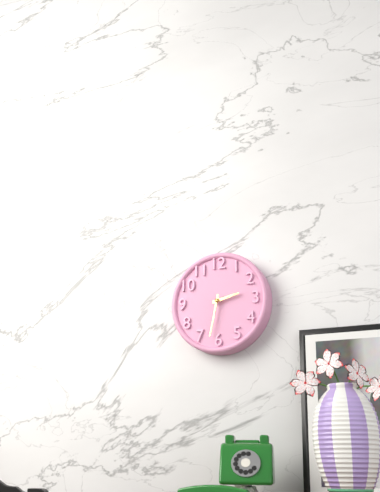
2:32
